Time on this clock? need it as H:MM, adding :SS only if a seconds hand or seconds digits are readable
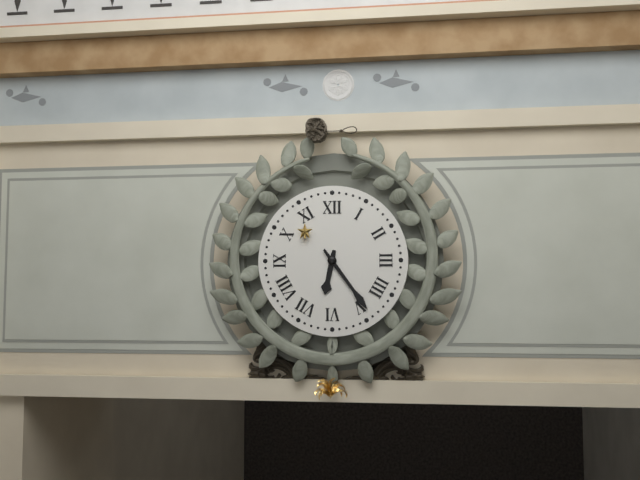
6:24
